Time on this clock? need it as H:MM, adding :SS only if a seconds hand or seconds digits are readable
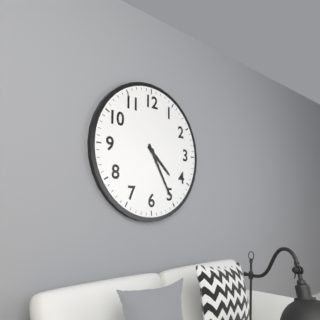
4:25
